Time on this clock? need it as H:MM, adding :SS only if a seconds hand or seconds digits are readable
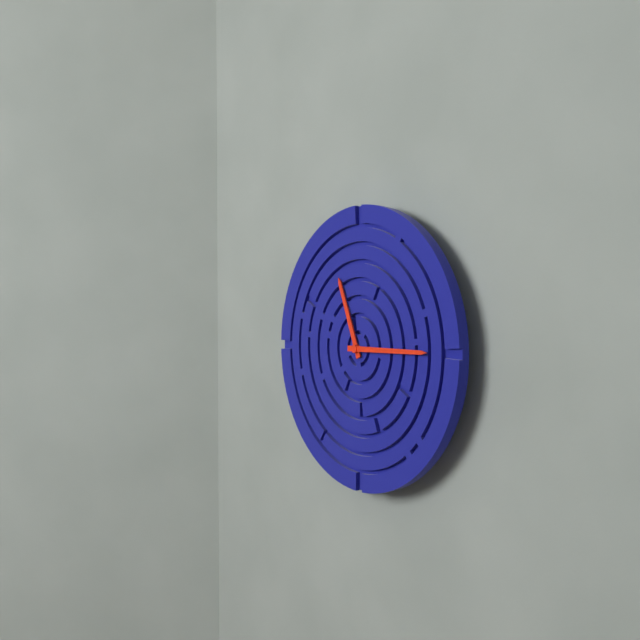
11:15
